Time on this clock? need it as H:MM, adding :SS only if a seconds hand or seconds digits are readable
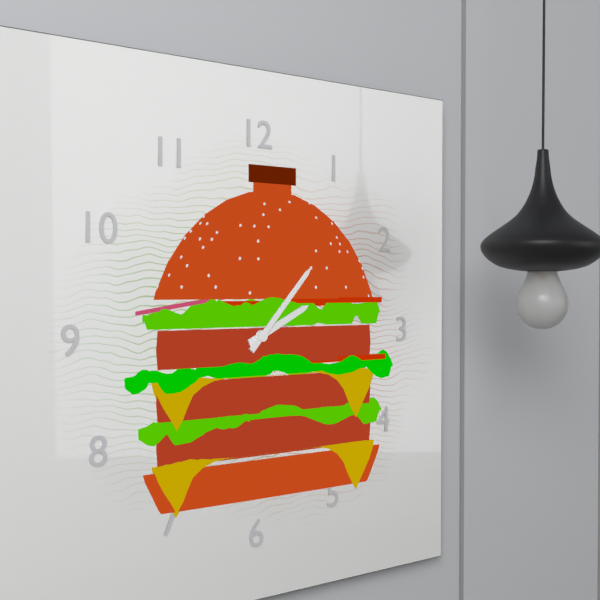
2:07
